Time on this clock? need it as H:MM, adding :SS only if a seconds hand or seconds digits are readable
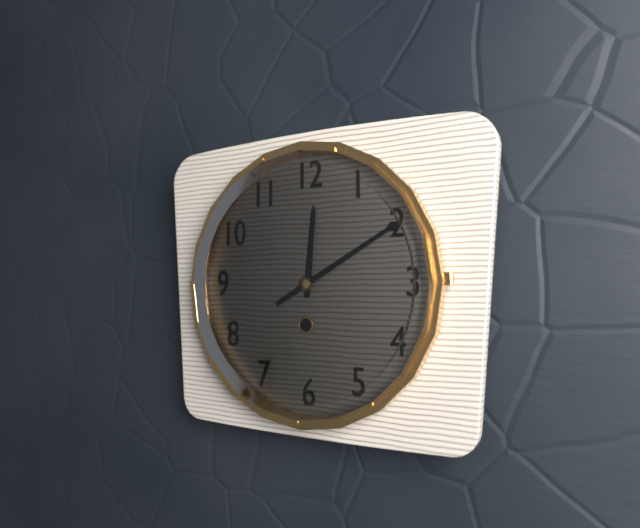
12:10
